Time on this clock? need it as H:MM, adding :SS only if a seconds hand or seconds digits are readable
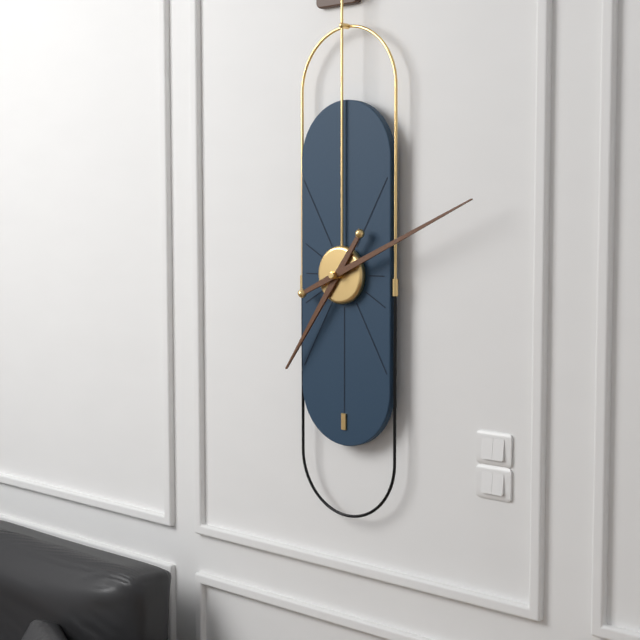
7:11
